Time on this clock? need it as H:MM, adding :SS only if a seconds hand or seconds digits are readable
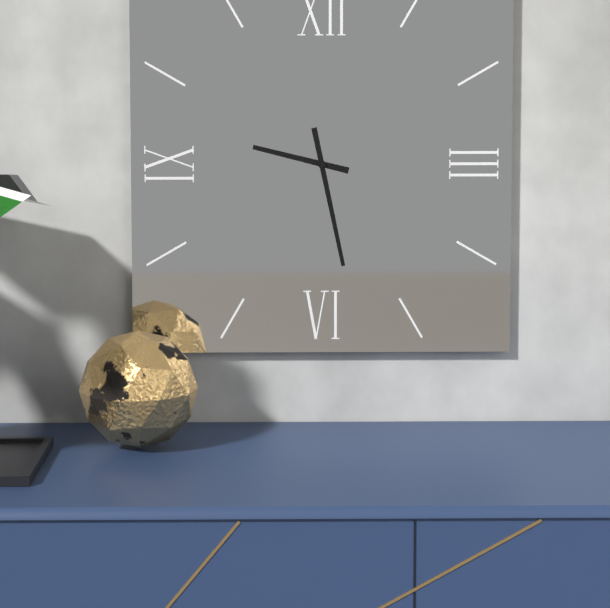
9:28
